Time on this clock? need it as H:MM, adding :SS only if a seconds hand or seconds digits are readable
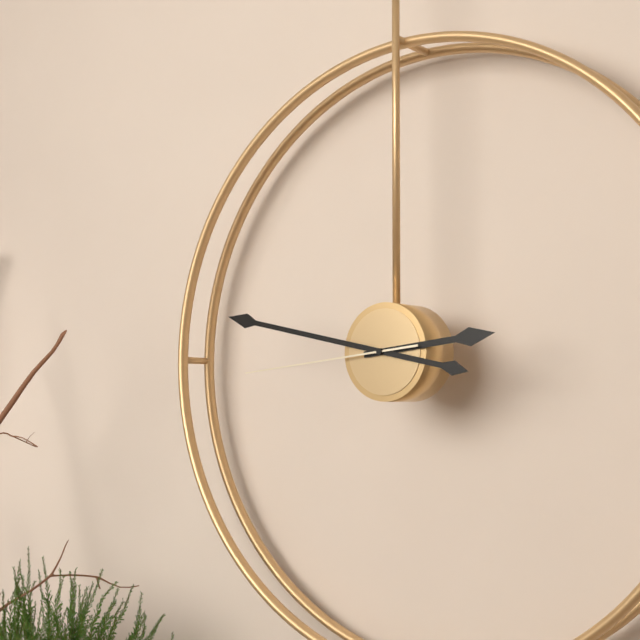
2:47:44
